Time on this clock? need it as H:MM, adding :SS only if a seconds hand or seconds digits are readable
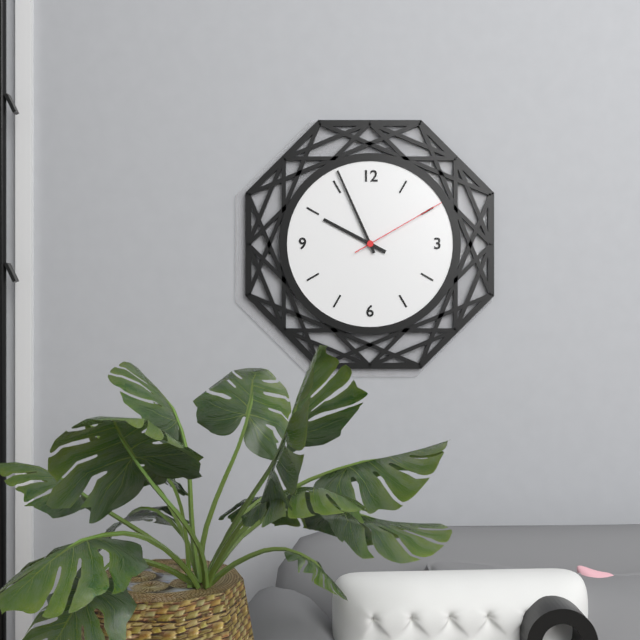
9:56:10
